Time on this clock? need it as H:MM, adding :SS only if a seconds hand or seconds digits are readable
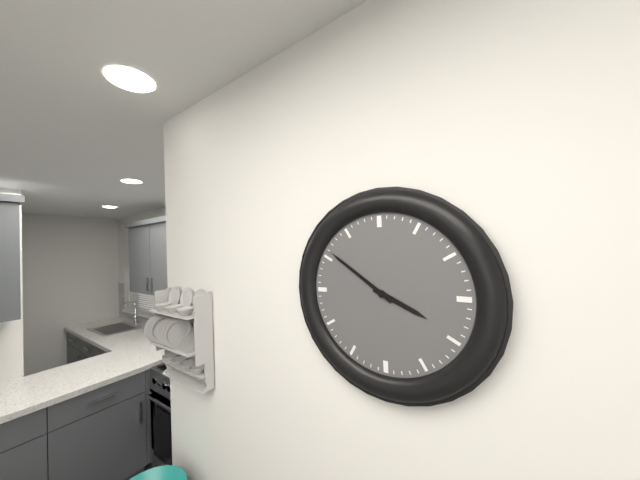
3:51
